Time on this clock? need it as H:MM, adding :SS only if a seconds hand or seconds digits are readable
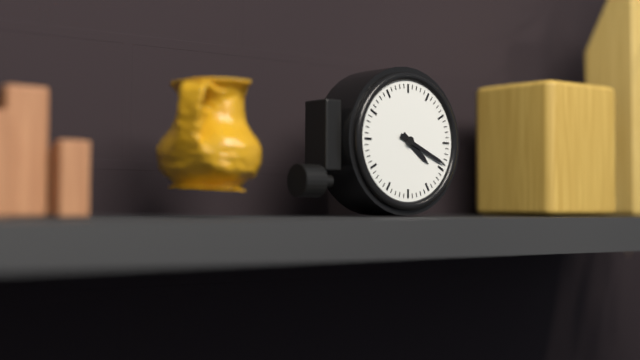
4:19
